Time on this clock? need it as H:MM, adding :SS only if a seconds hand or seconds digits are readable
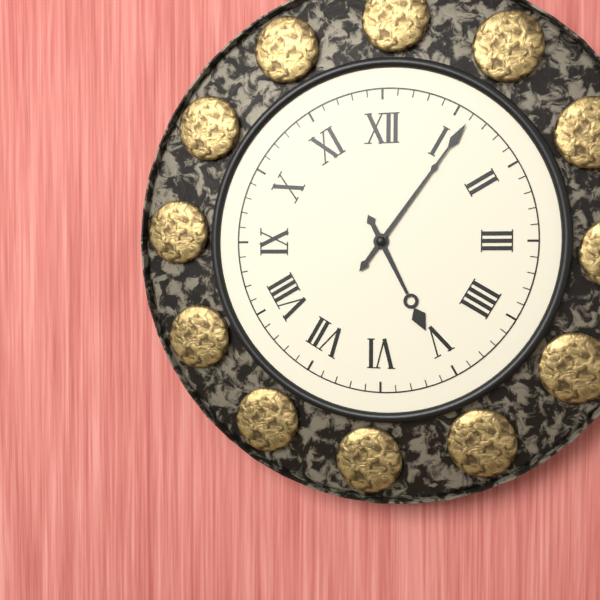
5:06
